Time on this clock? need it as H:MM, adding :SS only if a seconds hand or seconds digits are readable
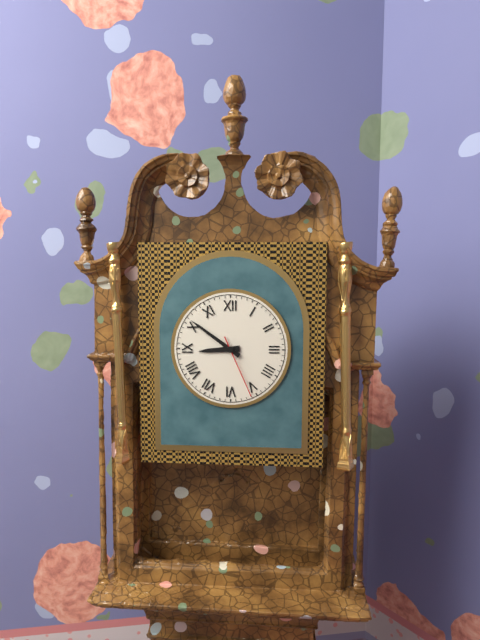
8:51:26
